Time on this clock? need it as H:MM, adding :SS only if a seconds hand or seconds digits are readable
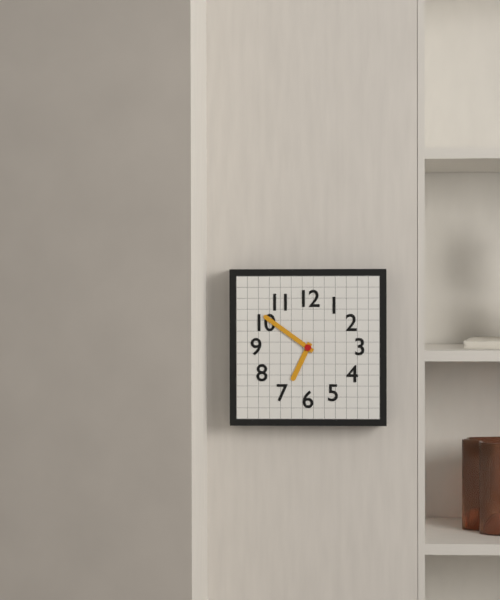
6:51
